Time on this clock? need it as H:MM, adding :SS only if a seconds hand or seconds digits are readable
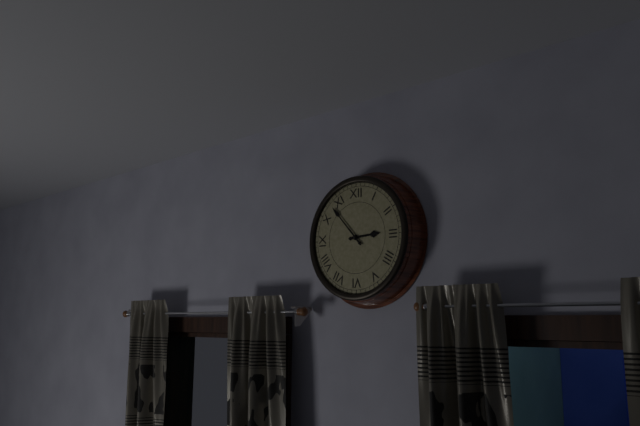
2:53
